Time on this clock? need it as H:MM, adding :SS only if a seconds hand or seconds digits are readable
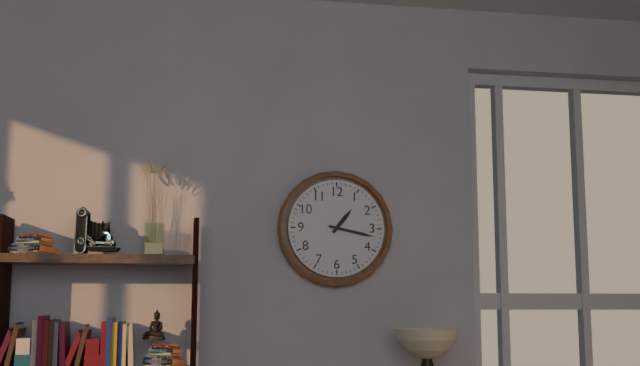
1:17
